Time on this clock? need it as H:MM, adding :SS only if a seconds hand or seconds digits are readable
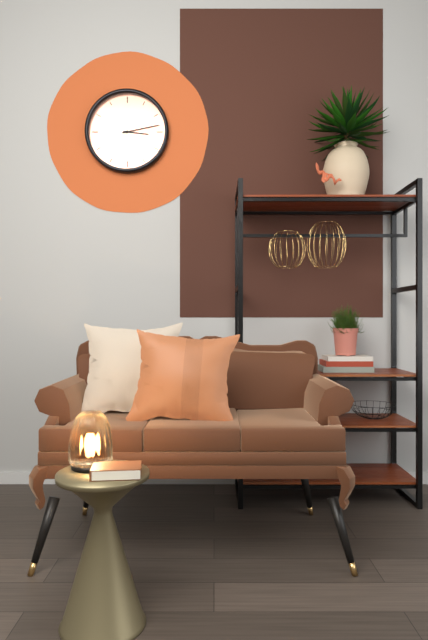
3:13
